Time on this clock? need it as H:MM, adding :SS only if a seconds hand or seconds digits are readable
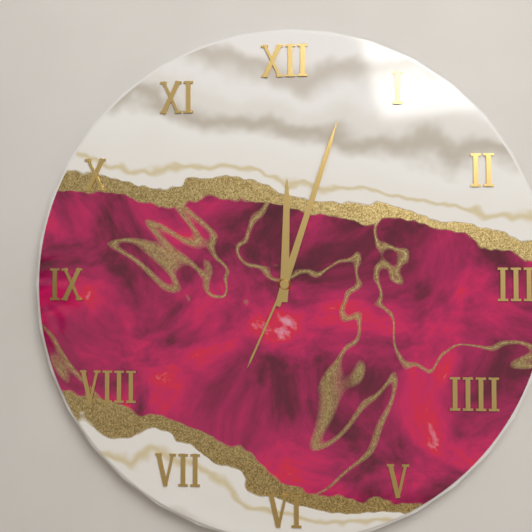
12:03:34
